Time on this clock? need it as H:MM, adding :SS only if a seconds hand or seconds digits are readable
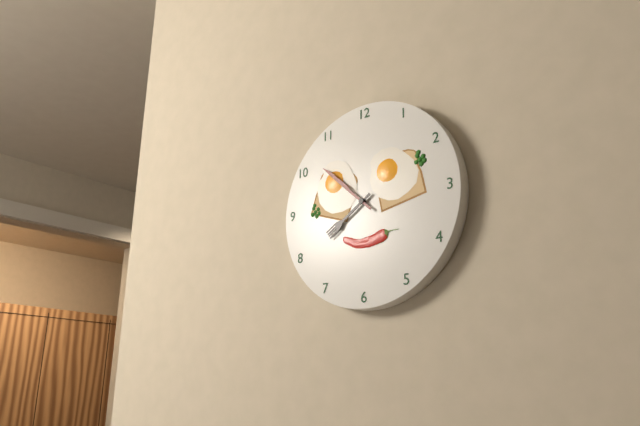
7:52
